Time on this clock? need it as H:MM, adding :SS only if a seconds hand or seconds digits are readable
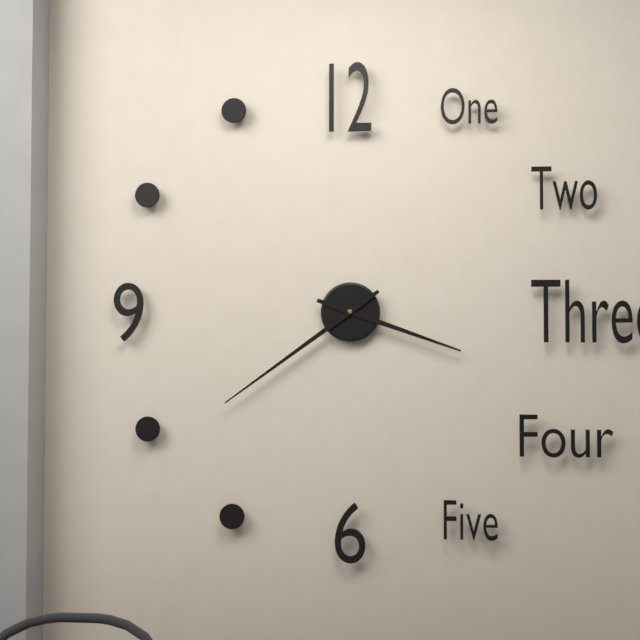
3:39
